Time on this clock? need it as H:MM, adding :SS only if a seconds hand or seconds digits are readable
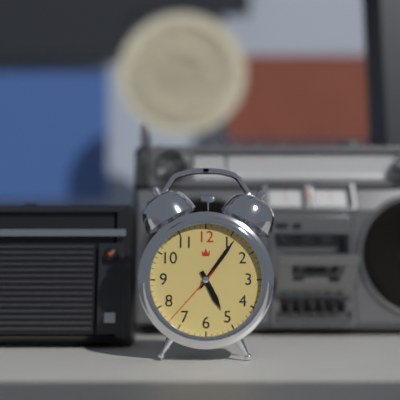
5:06:37
